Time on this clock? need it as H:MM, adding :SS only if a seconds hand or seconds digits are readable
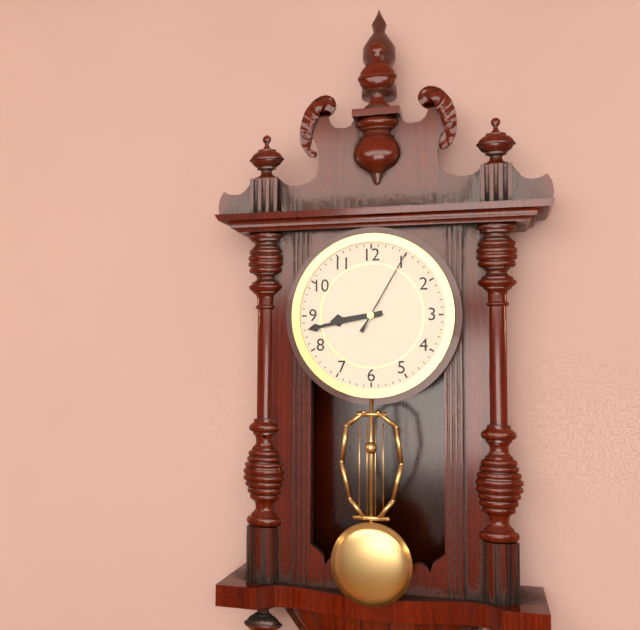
8:43:05
